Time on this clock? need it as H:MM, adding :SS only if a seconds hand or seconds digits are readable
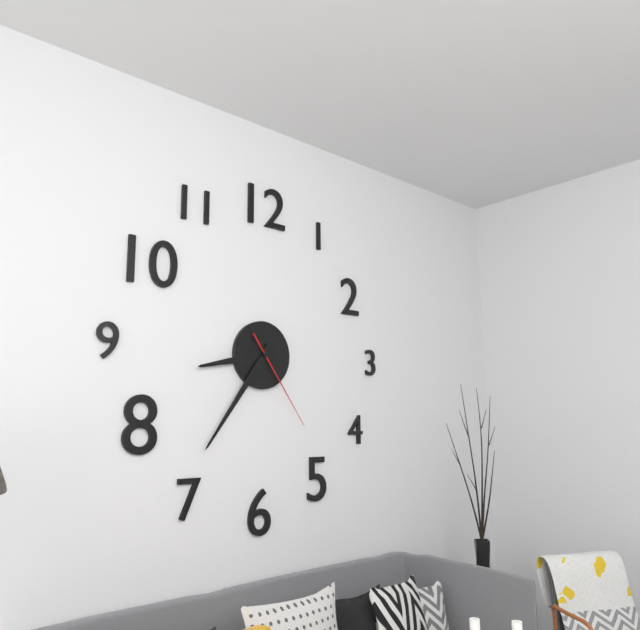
8:36:24
